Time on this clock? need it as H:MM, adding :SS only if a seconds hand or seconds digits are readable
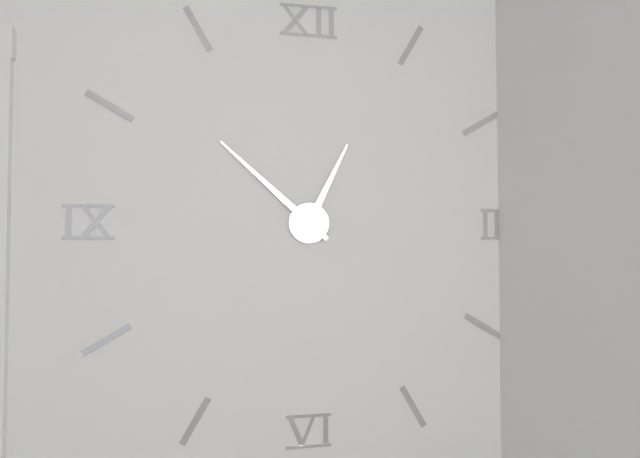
12:52
